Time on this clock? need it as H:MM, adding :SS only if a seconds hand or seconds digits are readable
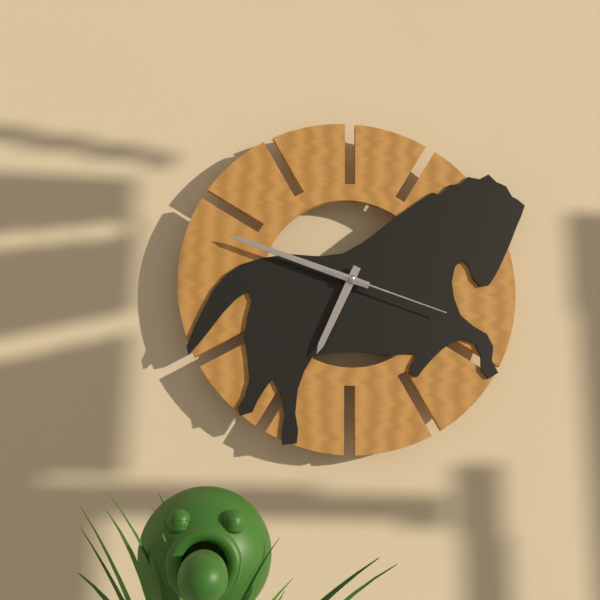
6:48:18
